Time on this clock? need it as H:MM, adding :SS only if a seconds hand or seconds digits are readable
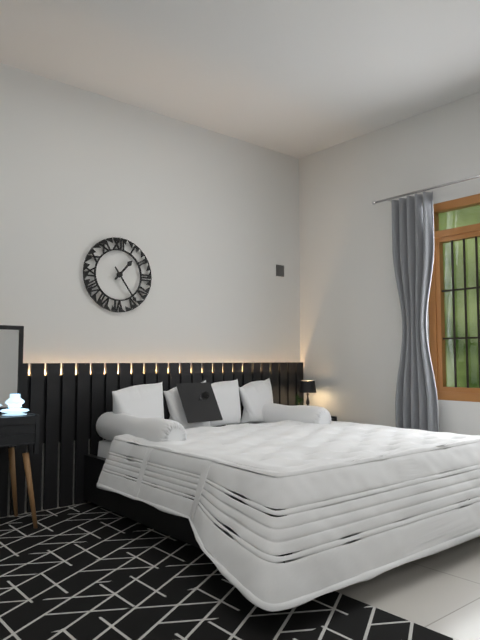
1:24
